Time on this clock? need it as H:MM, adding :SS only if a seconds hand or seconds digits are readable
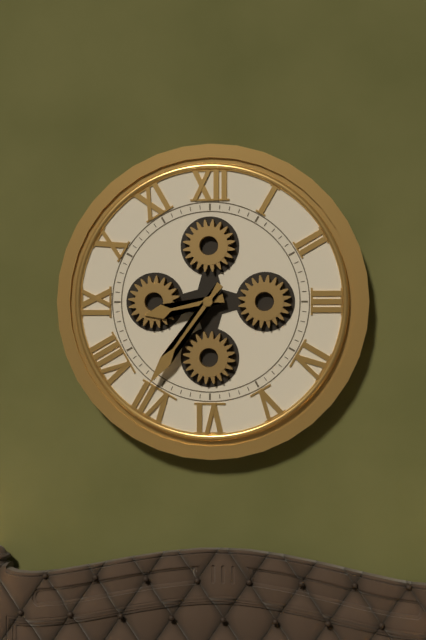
8:36
